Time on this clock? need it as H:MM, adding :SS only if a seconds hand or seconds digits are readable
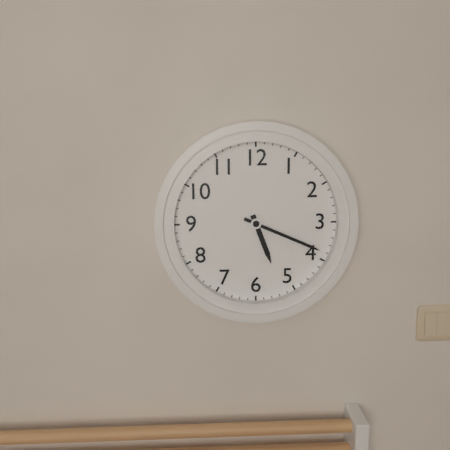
5:19
